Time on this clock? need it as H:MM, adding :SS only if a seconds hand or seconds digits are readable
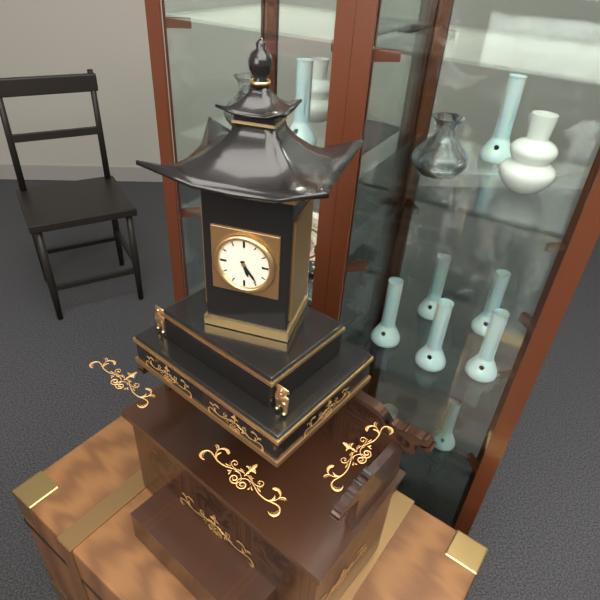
5:24
